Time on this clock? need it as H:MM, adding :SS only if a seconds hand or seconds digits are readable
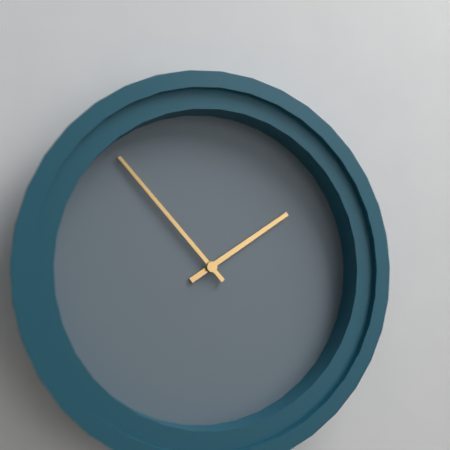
1:53
